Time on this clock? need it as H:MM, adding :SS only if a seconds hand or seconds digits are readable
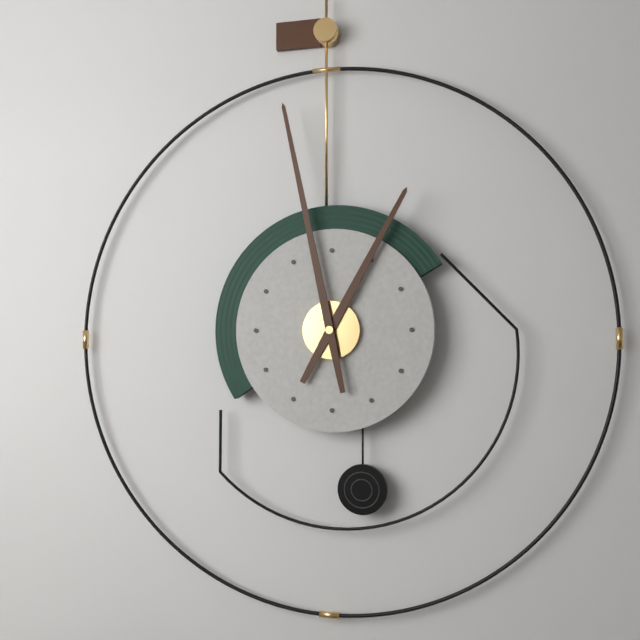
12:58
